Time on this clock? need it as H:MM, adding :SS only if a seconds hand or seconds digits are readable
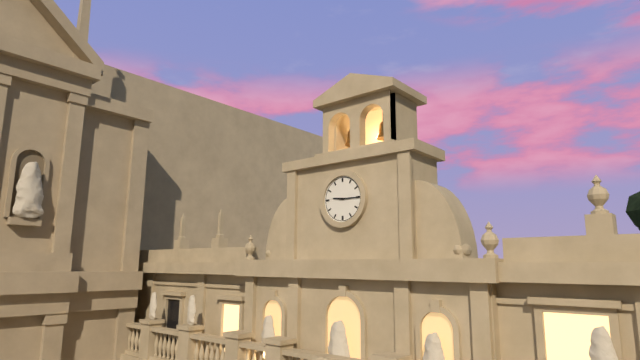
9:15
